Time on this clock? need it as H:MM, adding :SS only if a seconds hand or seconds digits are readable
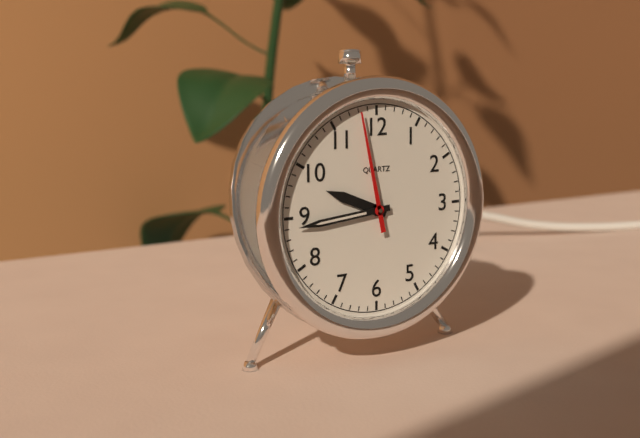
9:44:58
